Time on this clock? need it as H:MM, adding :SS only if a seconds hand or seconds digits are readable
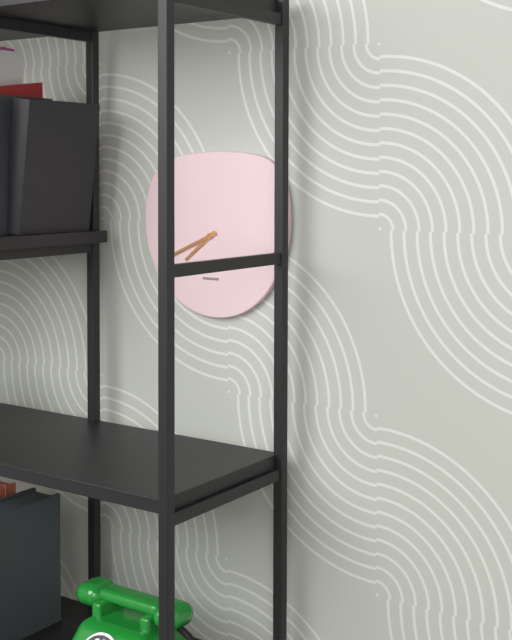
7:41
